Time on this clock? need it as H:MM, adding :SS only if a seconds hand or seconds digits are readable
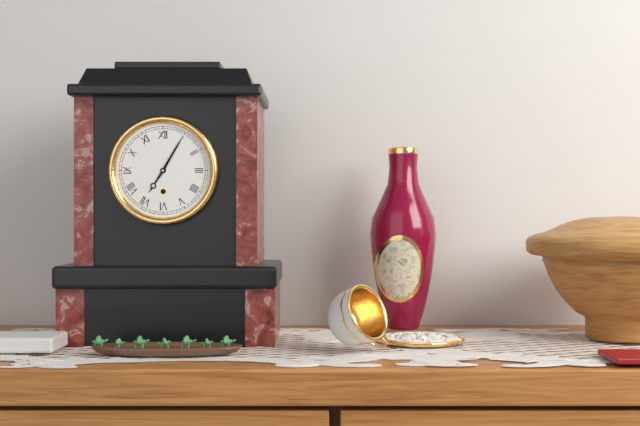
7:05
